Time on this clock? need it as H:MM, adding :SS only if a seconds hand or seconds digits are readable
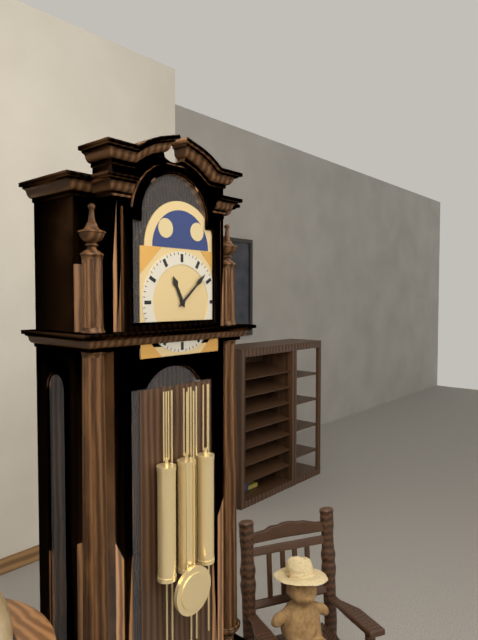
11:08
